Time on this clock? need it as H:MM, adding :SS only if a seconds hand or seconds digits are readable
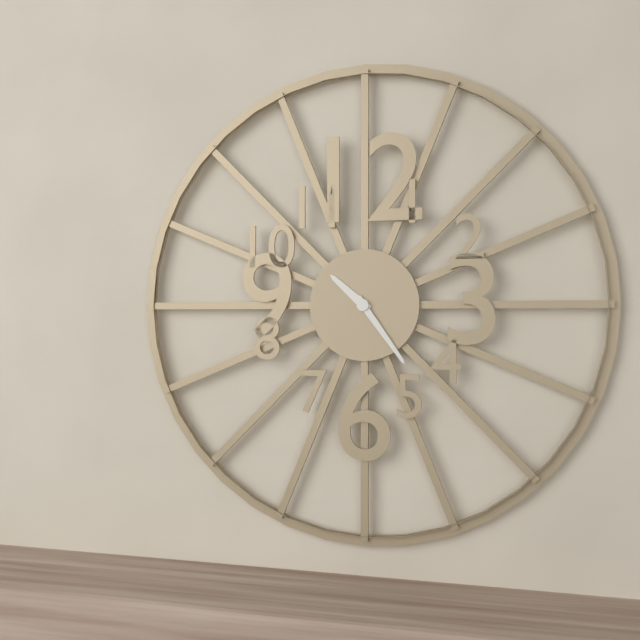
10:24
